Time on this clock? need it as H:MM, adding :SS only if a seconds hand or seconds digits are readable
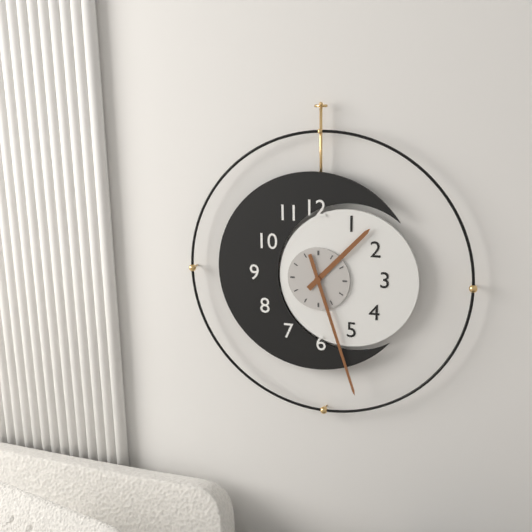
1:27
